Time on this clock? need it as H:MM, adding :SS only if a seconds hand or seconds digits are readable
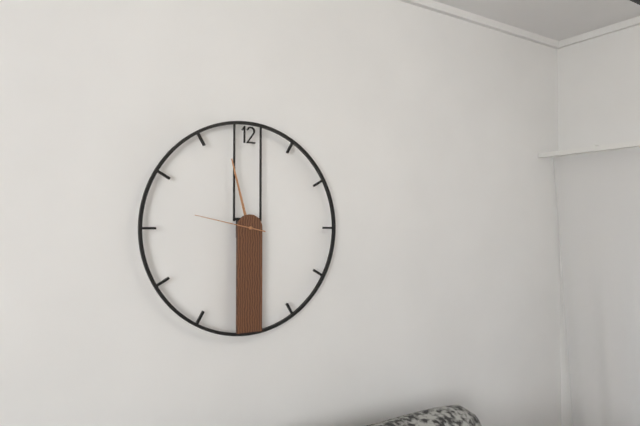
11:30:47
